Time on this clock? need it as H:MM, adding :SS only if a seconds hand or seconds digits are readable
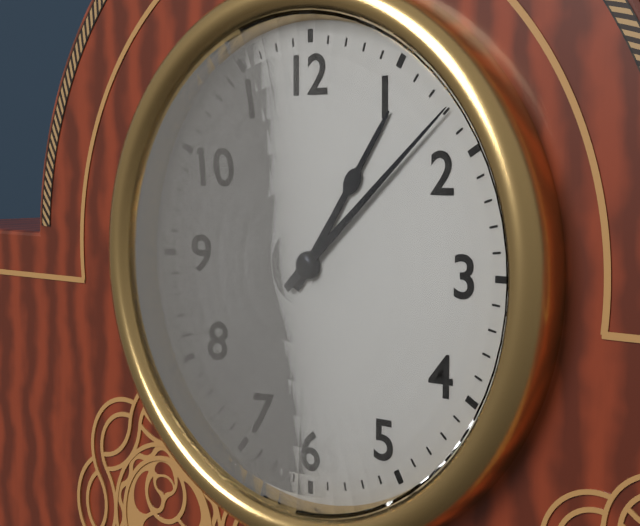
1:08
